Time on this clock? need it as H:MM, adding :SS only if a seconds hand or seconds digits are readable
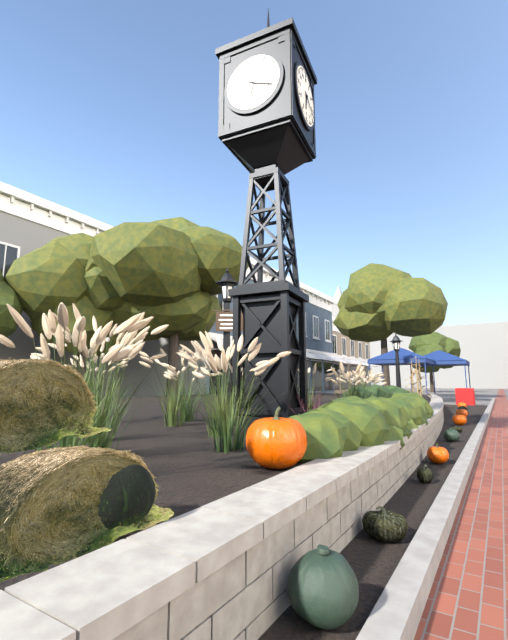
6:19
